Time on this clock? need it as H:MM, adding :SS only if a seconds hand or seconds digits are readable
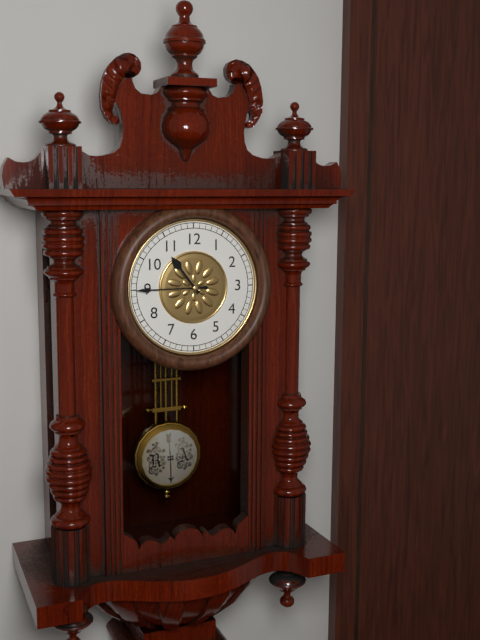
10:45
